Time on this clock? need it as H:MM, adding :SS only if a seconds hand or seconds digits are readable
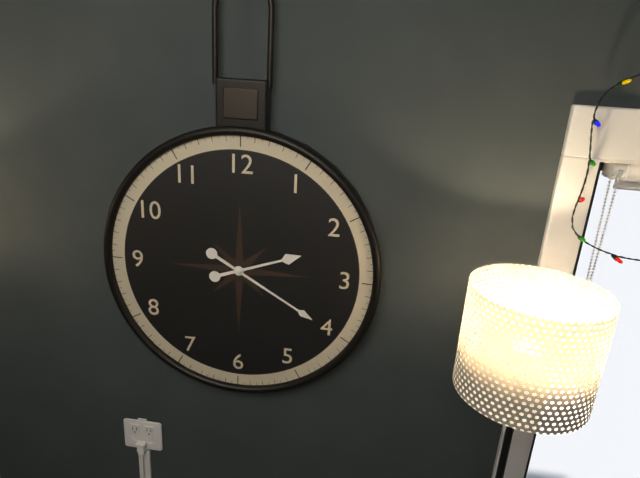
2:20
